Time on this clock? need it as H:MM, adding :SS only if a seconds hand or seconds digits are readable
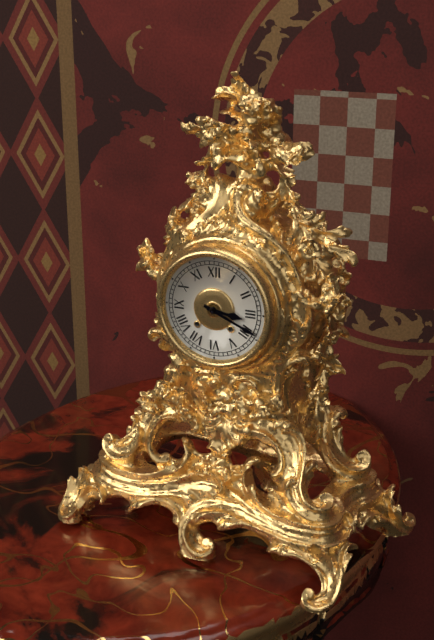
3:19
